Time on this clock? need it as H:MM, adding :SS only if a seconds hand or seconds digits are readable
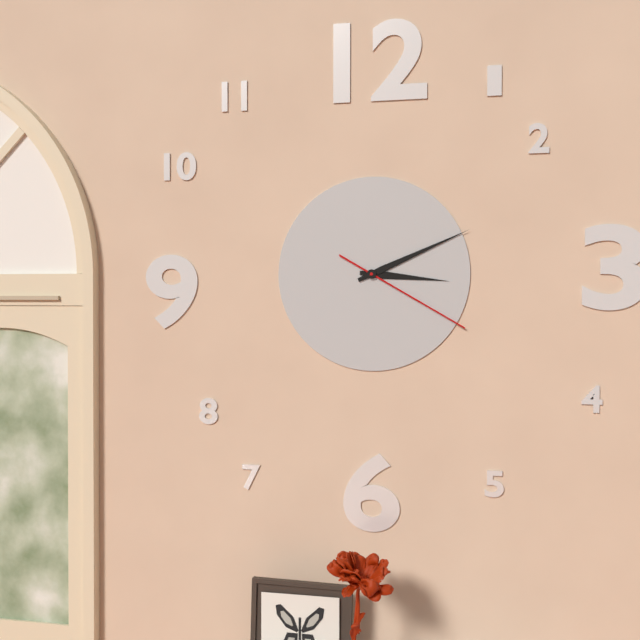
3:11:20
